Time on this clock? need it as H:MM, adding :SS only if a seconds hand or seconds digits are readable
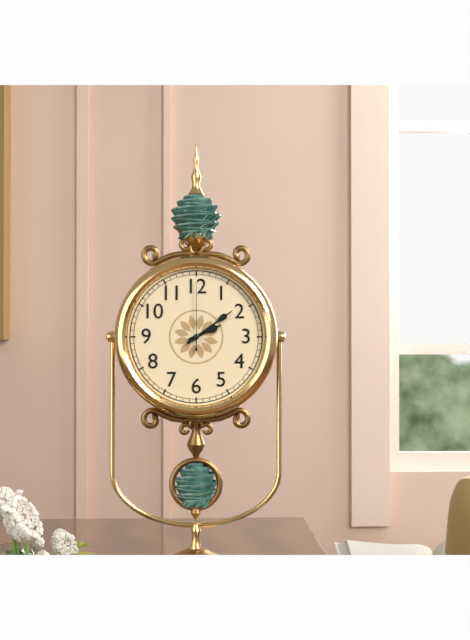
2:09:00
